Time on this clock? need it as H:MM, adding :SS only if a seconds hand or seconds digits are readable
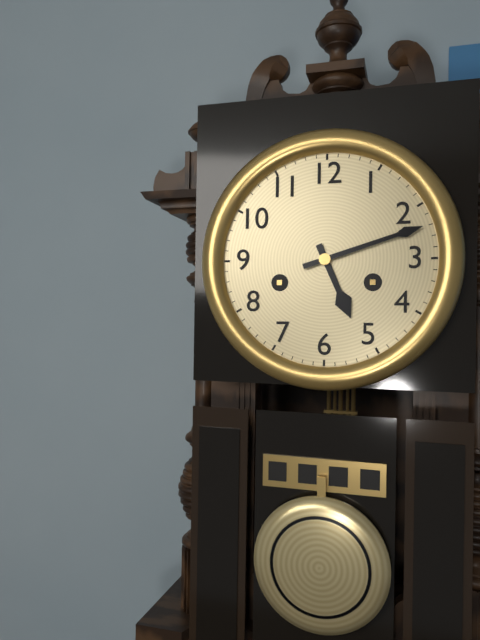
5:12
